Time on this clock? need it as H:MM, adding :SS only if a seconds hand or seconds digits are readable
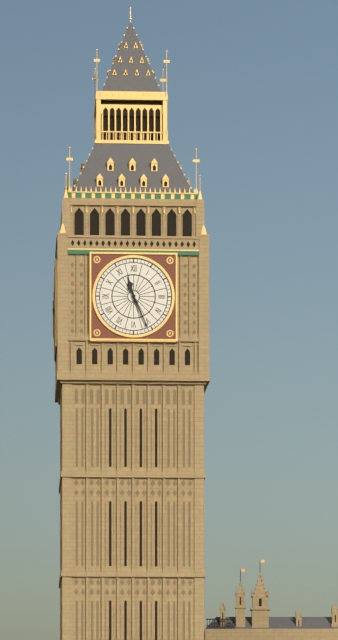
11:26
